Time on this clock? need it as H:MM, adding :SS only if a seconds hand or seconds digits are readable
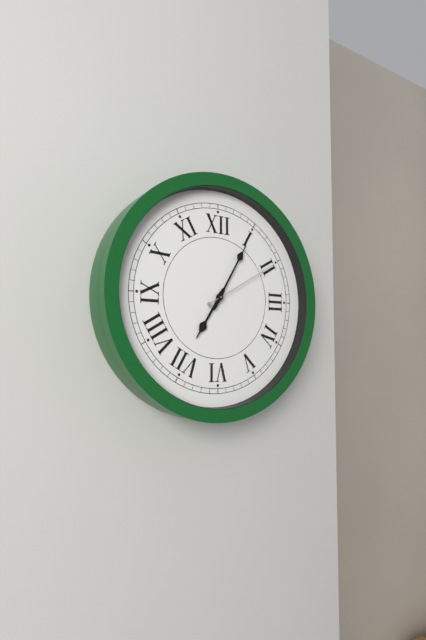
7:05:10
